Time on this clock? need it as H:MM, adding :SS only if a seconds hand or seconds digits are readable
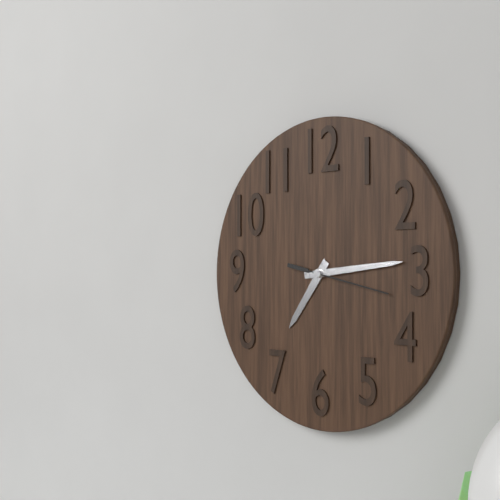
7:14:17
